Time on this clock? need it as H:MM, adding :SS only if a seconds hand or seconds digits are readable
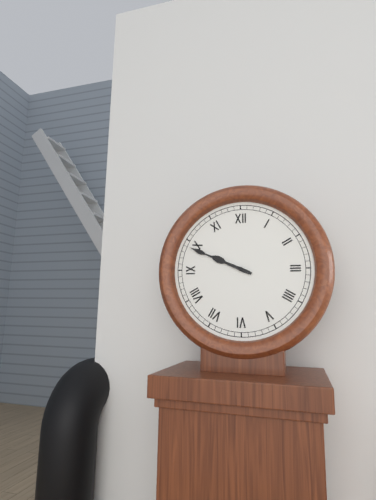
9:49
